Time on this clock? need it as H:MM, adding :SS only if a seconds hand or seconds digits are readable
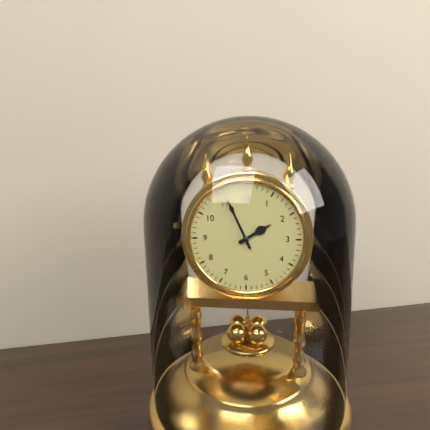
1:56
